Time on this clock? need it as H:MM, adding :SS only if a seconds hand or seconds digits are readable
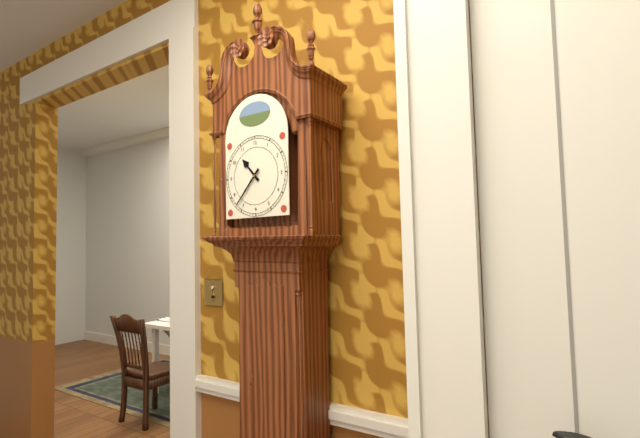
10:37
